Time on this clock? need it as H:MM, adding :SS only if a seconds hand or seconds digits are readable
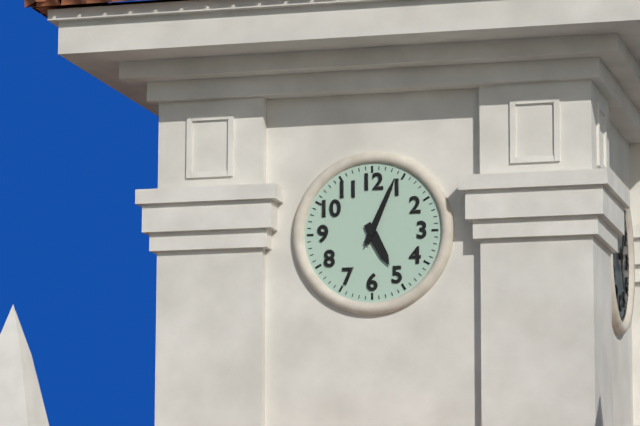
5:04:04
